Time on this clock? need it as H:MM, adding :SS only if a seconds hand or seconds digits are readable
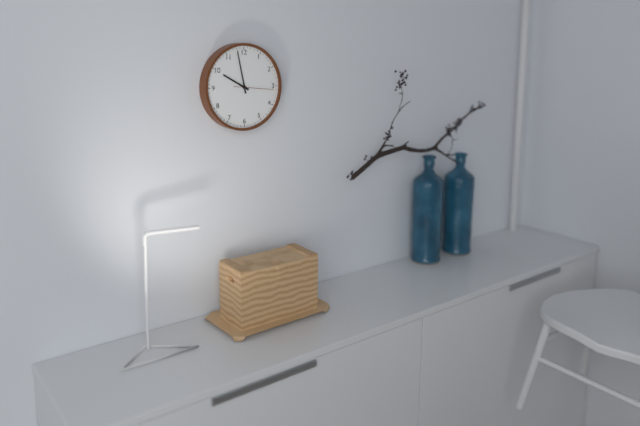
9:58
